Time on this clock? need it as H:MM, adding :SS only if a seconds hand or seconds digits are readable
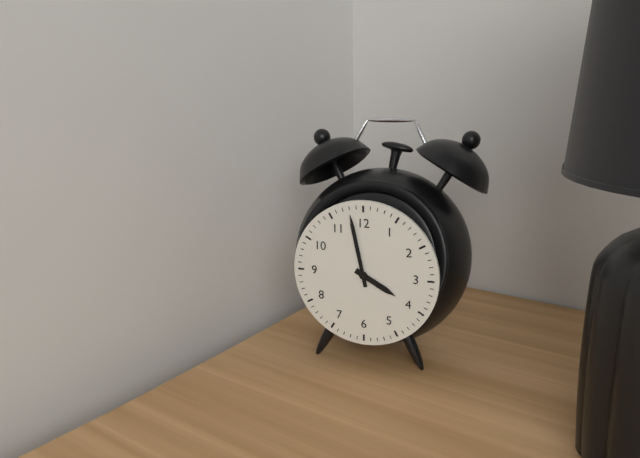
3:58
